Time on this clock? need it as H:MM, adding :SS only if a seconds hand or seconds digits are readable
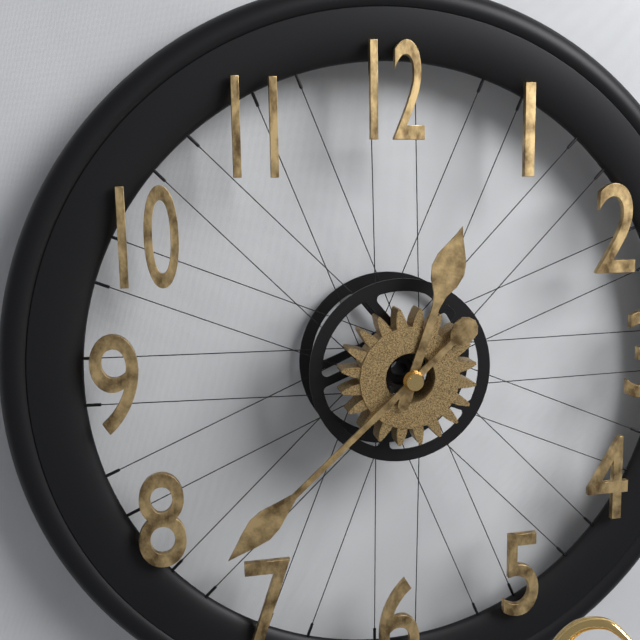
12:38
